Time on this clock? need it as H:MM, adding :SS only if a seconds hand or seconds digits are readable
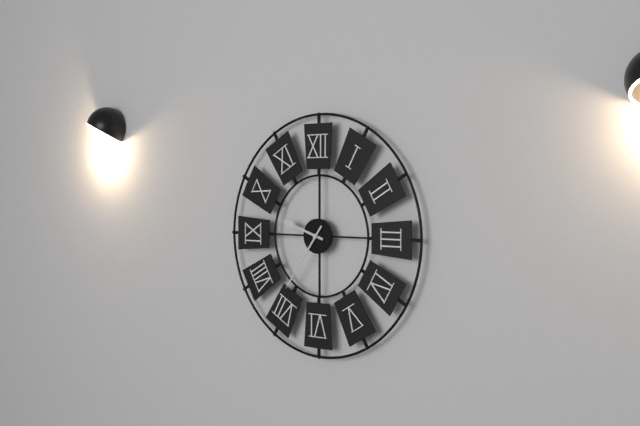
9:36
